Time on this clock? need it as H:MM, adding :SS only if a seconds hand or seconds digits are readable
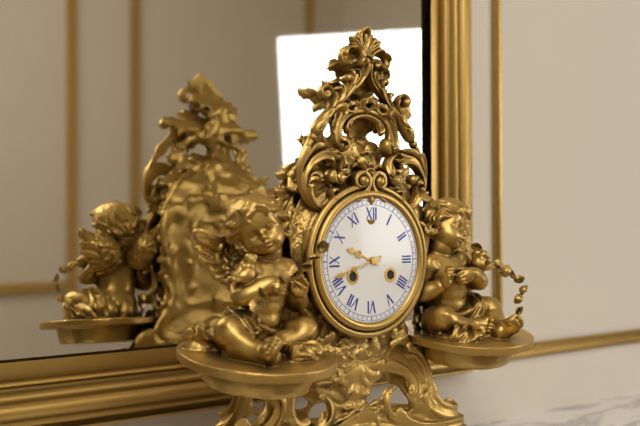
9:42
